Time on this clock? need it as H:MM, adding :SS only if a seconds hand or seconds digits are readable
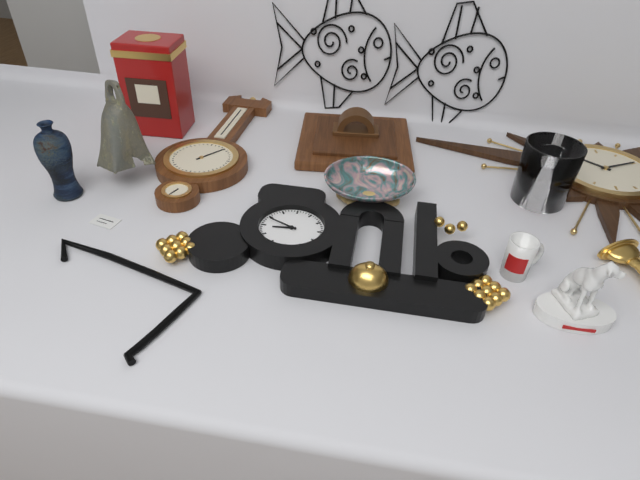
8:49
